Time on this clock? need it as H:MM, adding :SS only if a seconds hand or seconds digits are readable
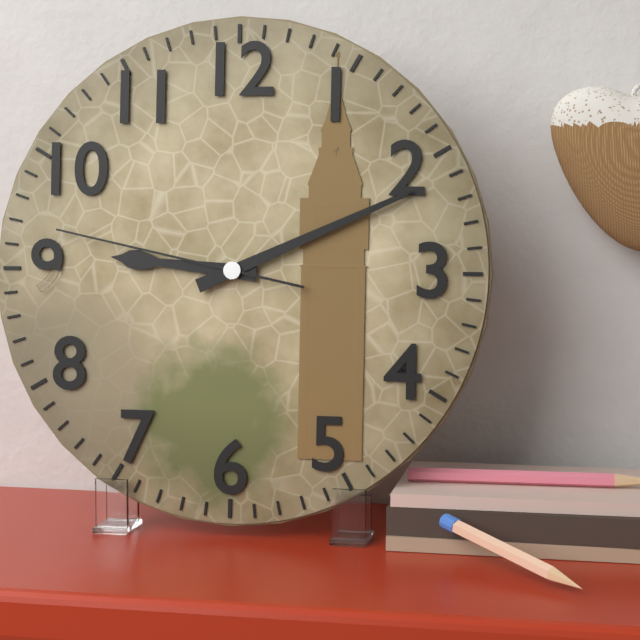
9:11:47
